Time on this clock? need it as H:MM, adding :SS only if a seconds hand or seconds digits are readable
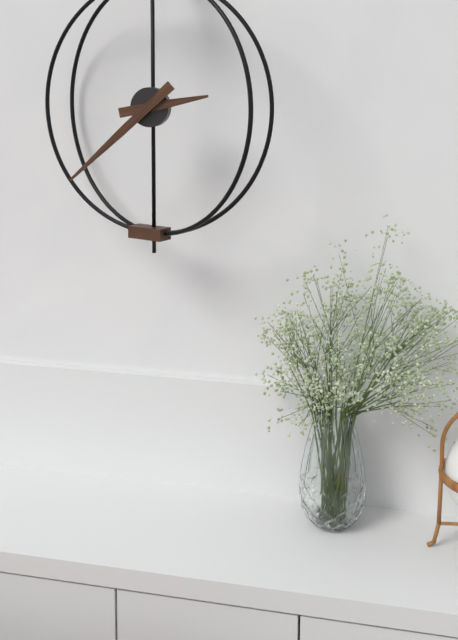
2:38
